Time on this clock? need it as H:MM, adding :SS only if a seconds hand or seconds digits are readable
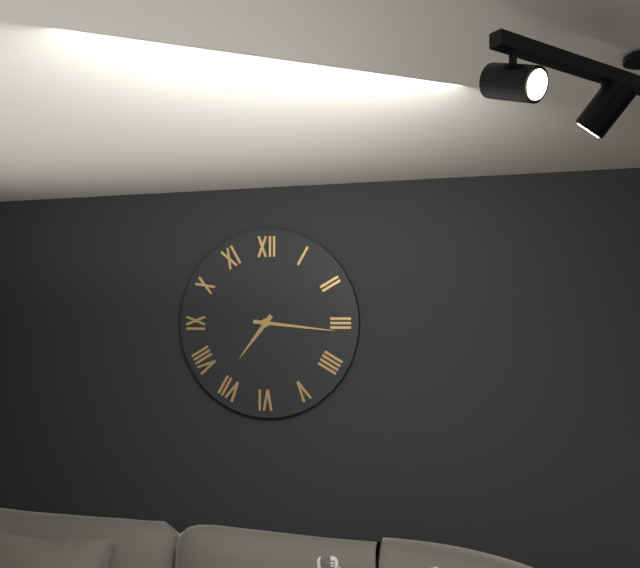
7:16
